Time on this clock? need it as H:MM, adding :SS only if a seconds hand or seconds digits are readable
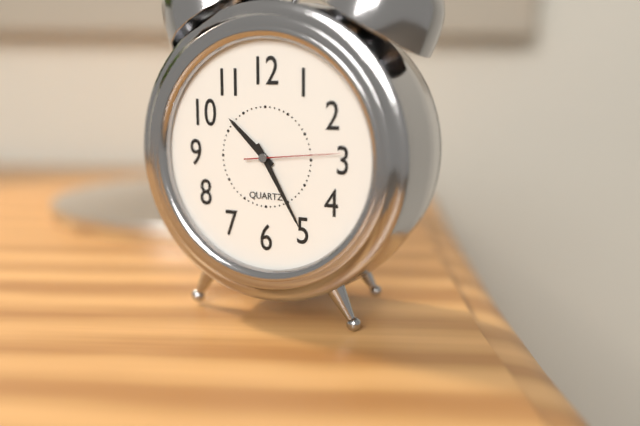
10:25:14
